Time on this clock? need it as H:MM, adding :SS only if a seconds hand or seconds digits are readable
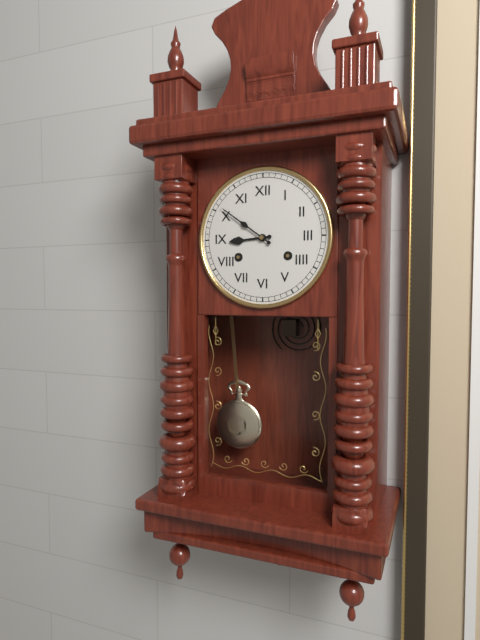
8:51
